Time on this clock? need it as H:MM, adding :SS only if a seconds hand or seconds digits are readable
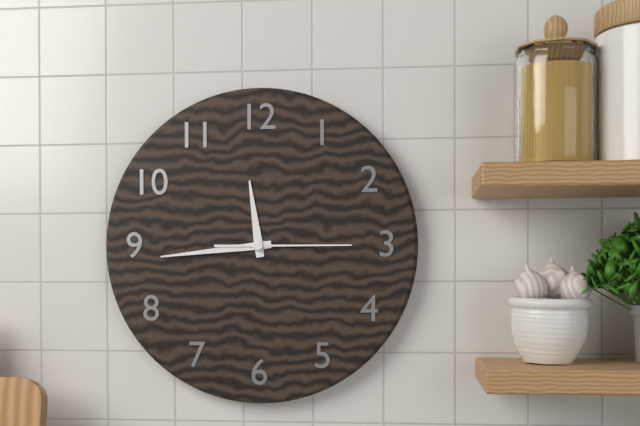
11:44:15
